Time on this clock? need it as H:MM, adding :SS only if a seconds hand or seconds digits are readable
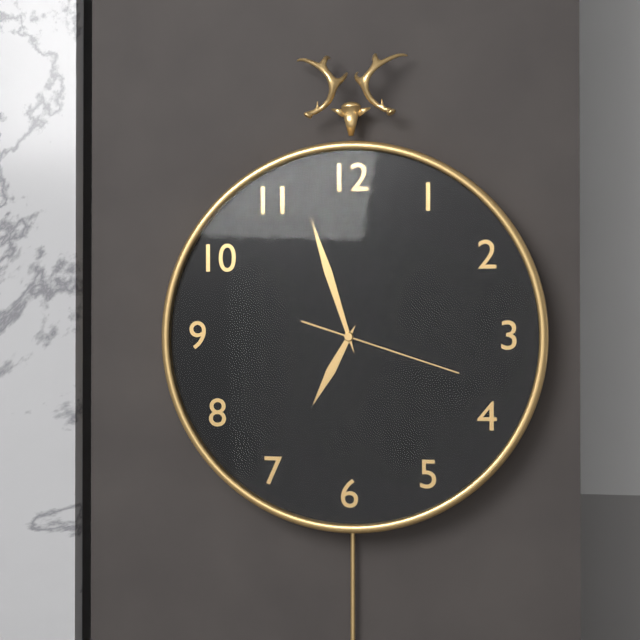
6:57:18
